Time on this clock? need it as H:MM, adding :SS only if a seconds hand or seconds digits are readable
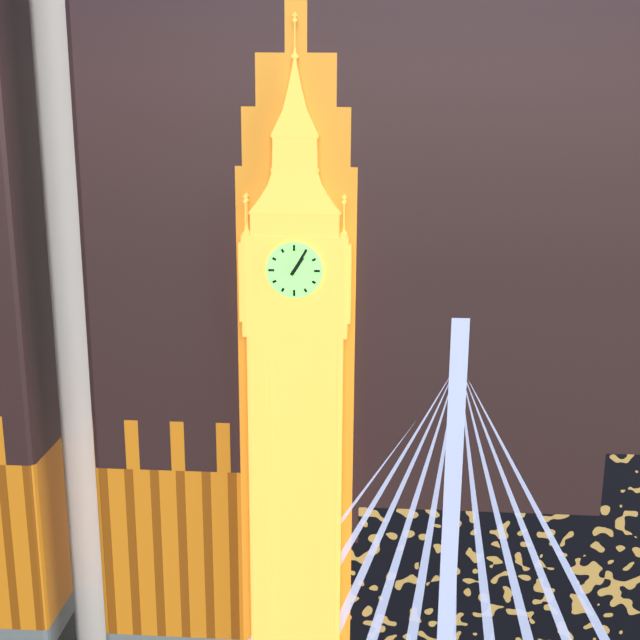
1:05
